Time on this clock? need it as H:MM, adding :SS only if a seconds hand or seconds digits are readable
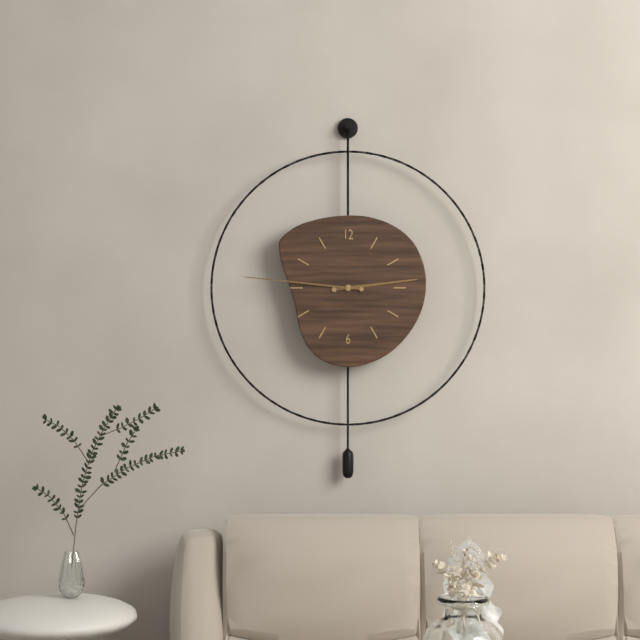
2:46
